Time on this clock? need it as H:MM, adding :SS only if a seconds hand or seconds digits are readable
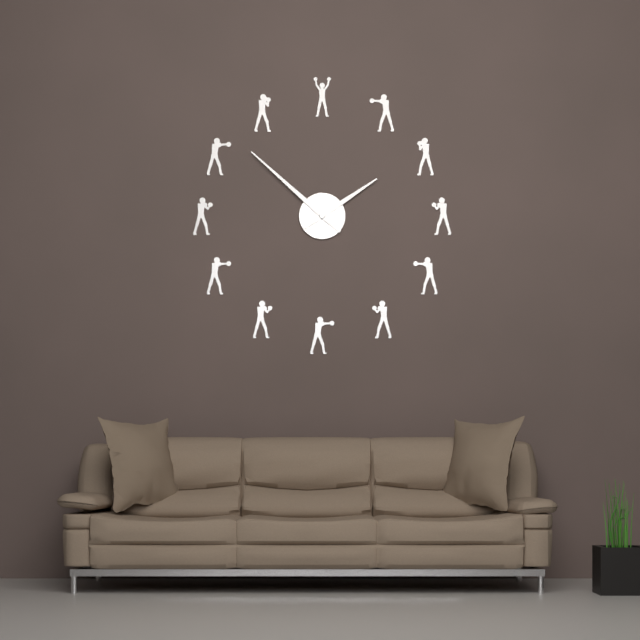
1:52
